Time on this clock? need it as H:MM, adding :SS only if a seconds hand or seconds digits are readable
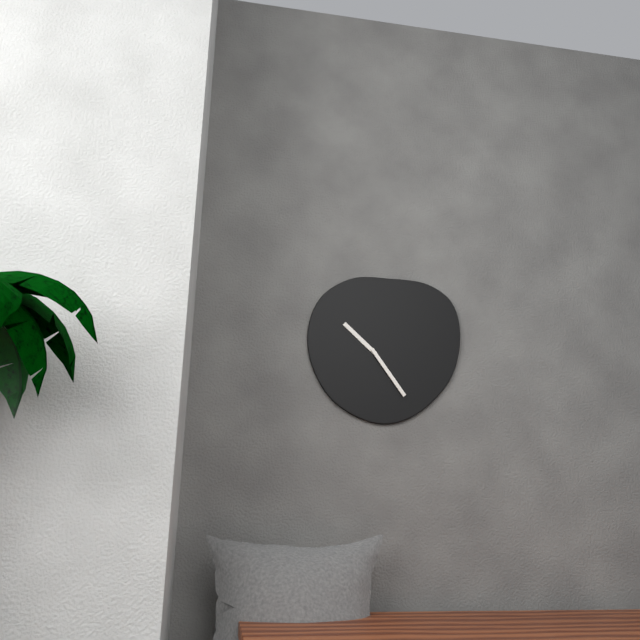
10:24
